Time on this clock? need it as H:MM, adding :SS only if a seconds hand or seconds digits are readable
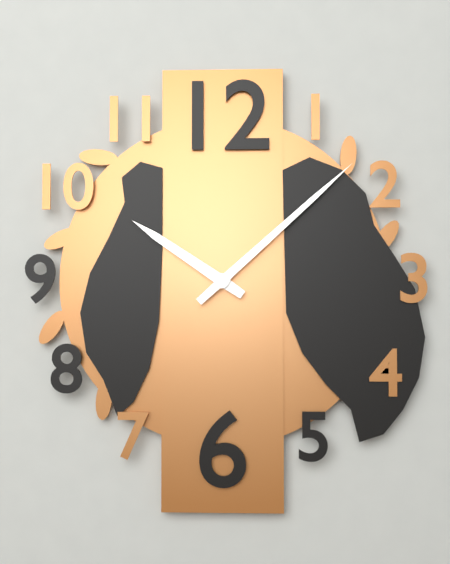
10:08
